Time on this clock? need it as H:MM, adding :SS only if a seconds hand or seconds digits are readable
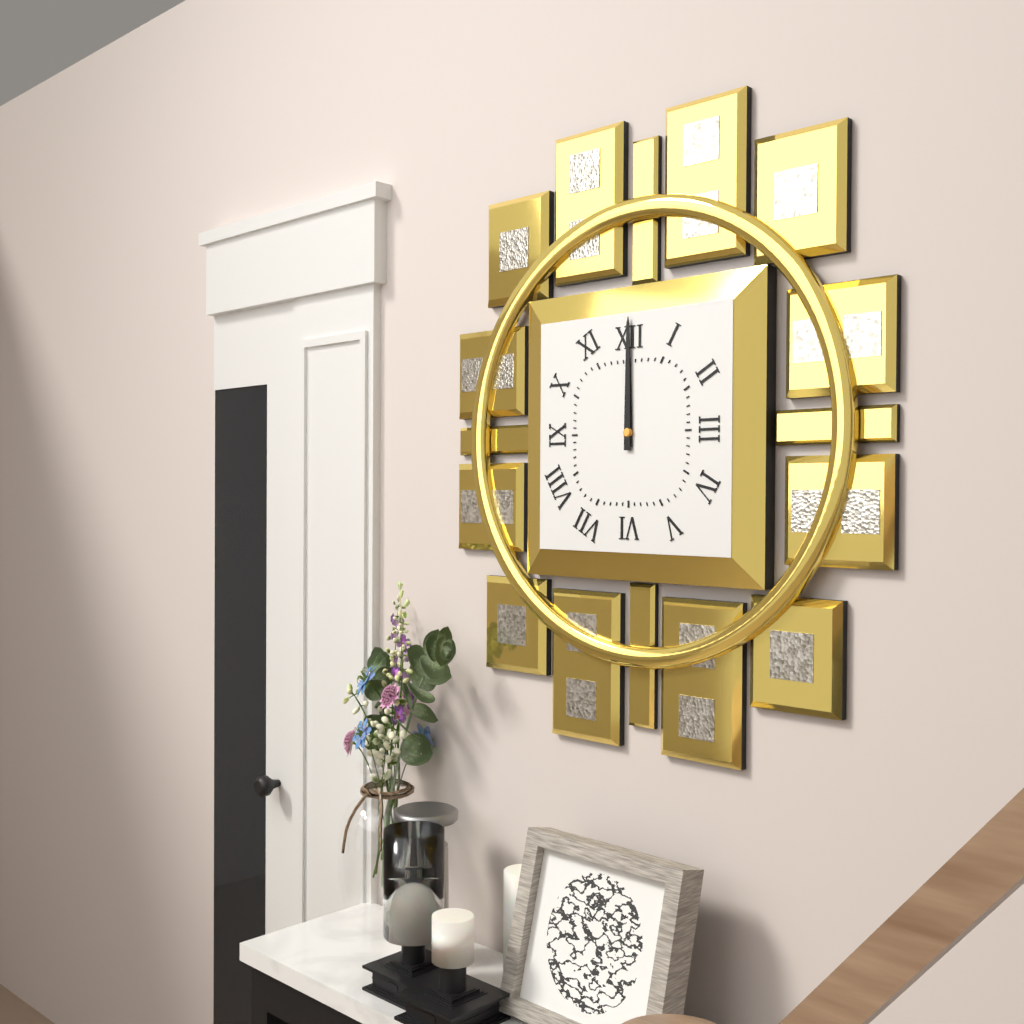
12:00
